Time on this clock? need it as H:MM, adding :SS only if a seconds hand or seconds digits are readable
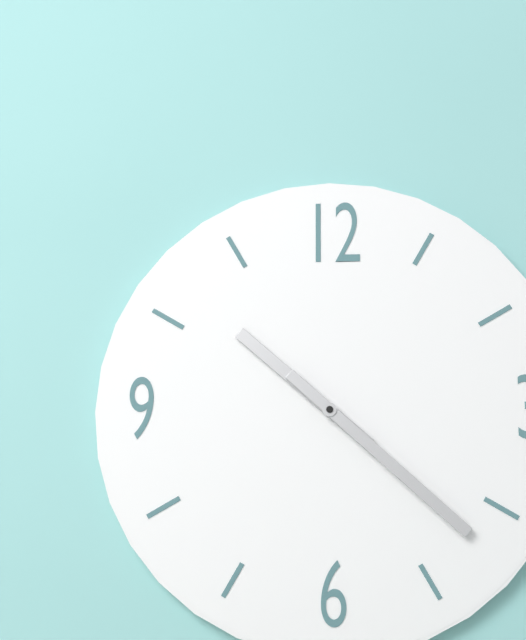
10:22
